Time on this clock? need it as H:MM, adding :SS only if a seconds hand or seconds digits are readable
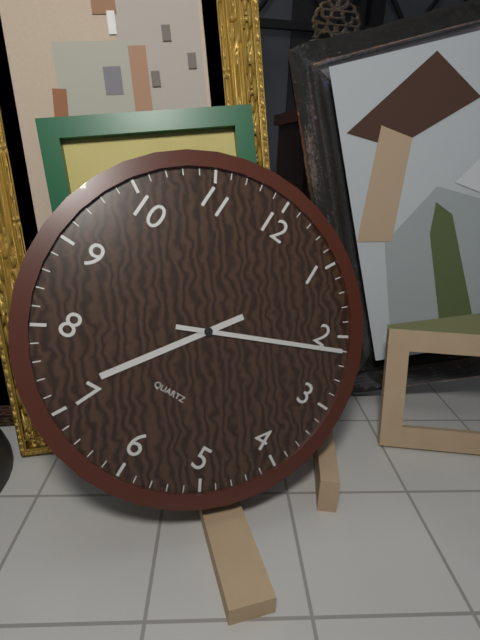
7:11
